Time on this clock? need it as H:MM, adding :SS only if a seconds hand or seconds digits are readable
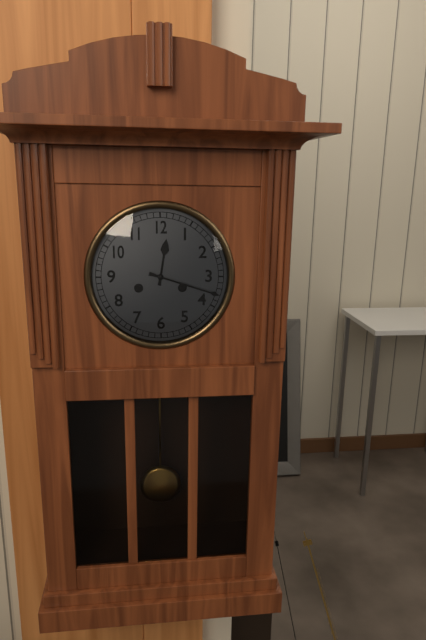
12:18
